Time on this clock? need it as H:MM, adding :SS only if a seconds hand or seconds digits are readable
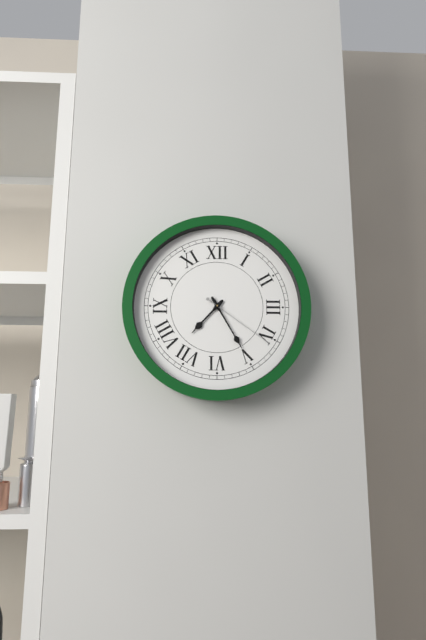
7:25:21
